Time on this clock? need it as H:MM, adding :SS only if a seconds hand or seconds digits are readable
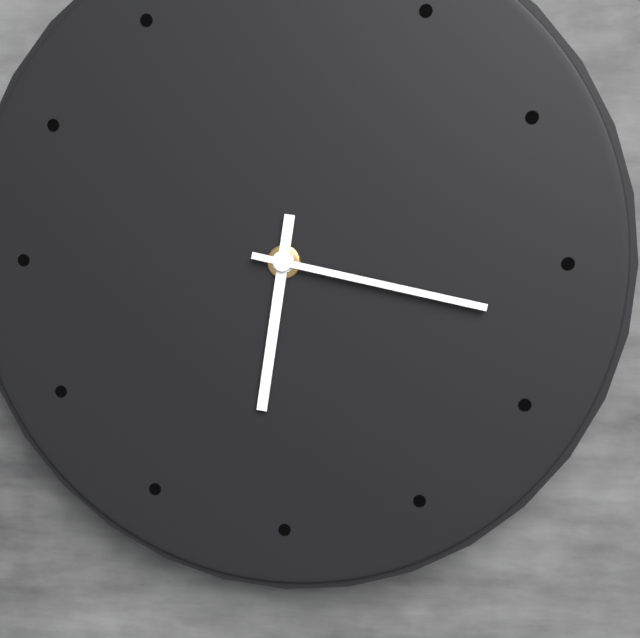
6:17
